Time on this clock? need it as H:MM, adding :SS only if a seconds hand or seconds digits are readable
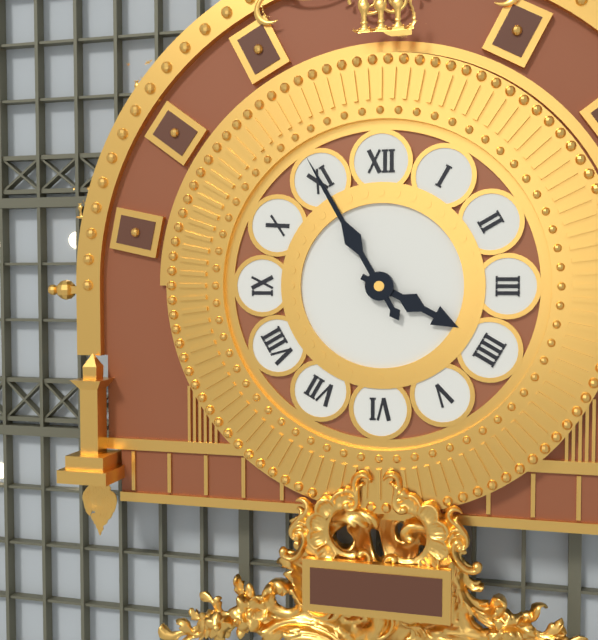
3:55
